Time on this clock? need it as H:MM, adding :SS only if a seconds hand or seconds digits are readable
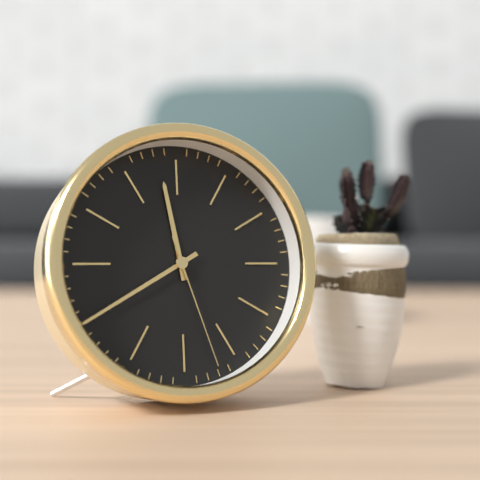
11:40:27
